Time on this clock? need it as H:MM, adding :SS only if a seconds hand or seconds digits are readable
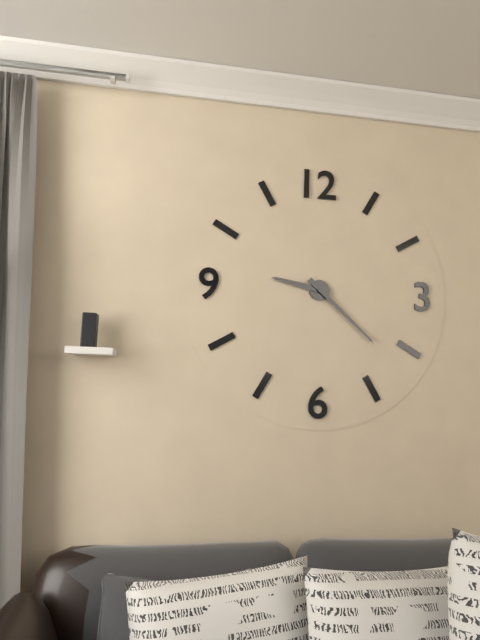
9:22
